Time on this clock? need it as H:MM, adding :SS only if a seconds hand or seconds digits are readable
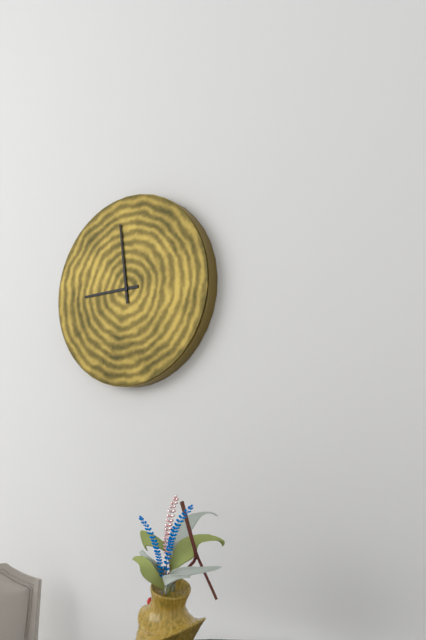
8:59
